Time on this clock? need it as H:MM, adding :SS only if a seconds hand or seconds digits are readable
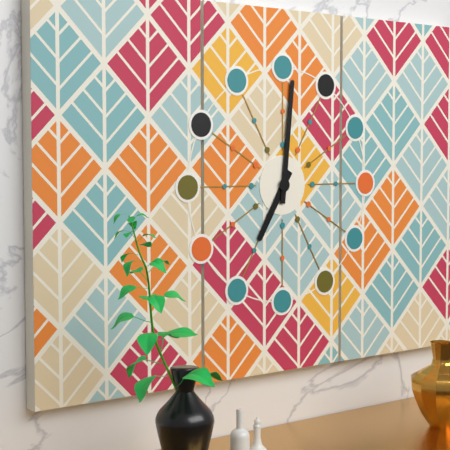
7:01
